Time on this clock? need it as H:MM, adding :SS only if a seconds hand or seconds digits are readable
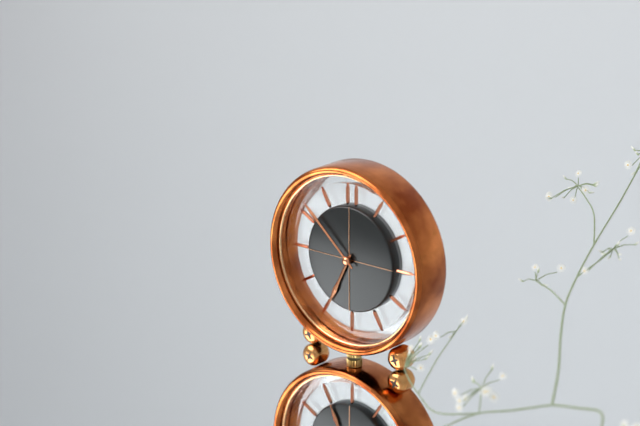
6:52
